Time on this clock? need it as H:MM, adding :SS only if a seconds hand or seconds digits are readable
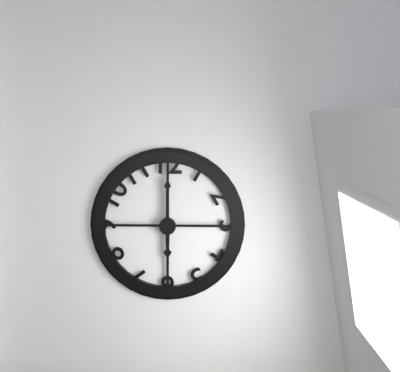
6:00
